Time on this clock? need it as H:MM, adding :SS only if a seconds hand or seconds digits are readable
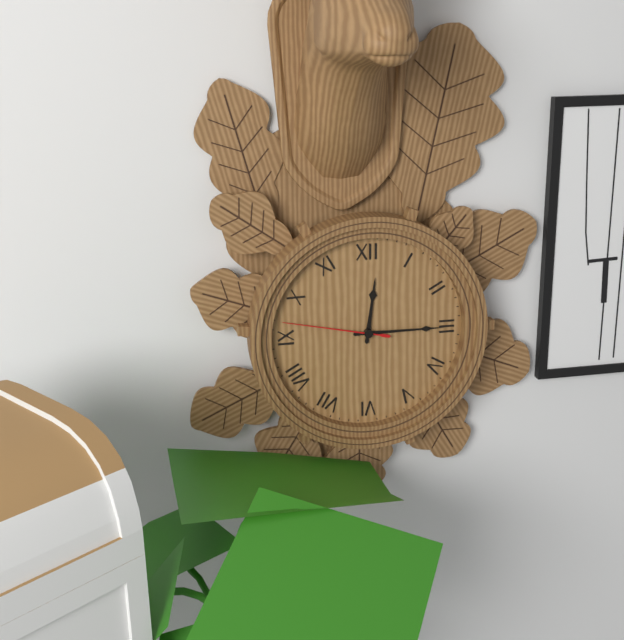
12:15:47
